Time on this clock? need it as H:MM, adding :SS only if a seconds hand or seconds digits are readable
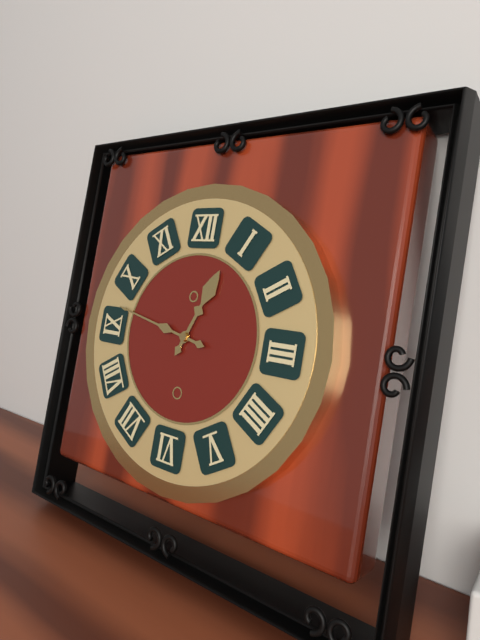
12:47
